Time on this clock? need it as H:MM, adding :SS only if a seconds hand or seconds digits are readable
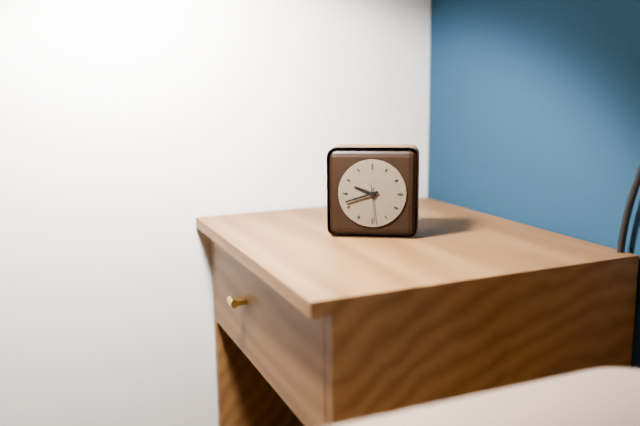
9:42
